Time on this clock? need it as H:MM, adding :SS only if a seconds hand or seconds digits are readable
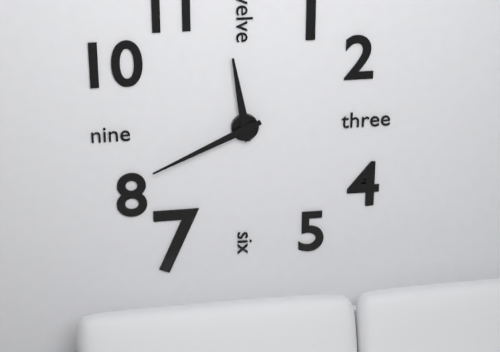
11:41
